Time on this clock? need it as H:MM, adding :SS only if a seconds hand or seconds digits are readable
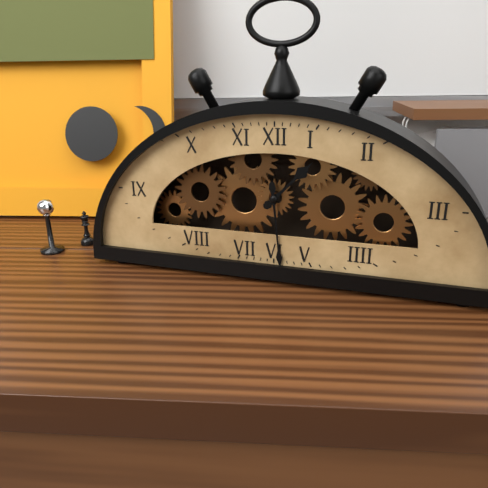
1:29
